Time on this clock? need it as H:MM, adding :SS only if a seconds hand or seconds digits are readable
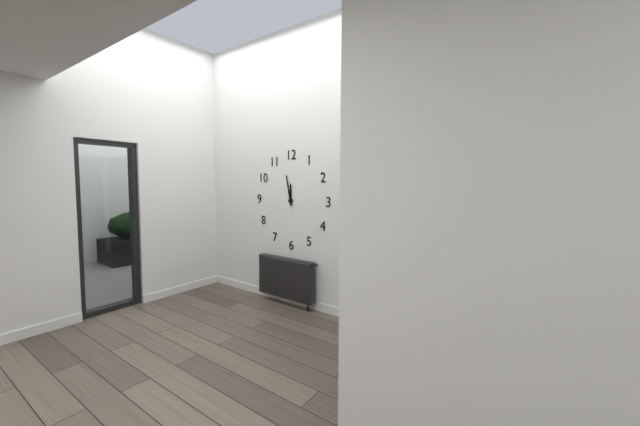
11:58
